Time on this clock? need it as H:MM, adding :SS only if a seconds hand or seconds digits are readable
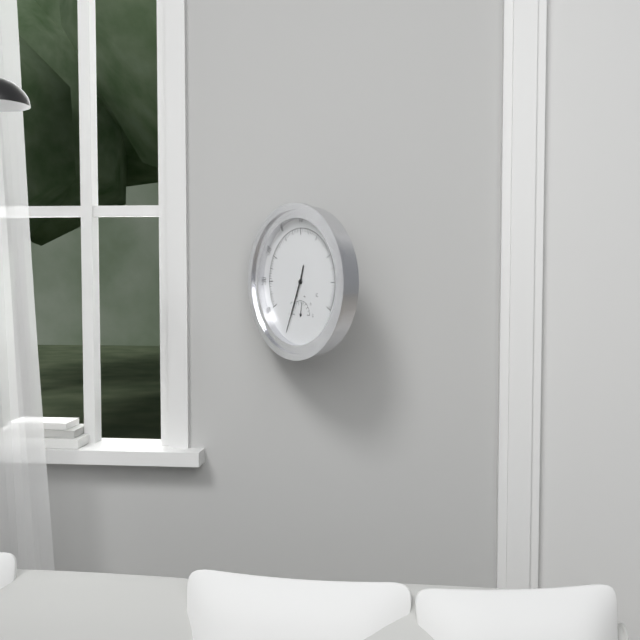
12:34
